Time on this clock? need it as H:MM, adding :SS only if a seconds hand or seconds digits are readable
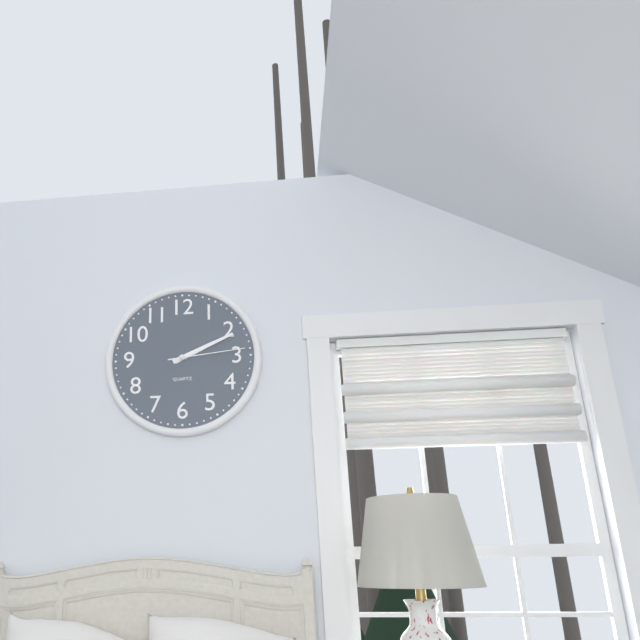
2:11:14
